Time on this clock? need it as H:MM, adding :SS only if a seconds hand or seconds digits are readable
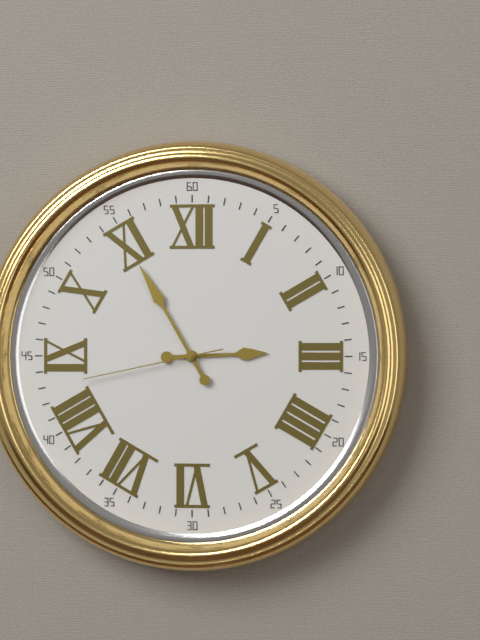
2:55:43
